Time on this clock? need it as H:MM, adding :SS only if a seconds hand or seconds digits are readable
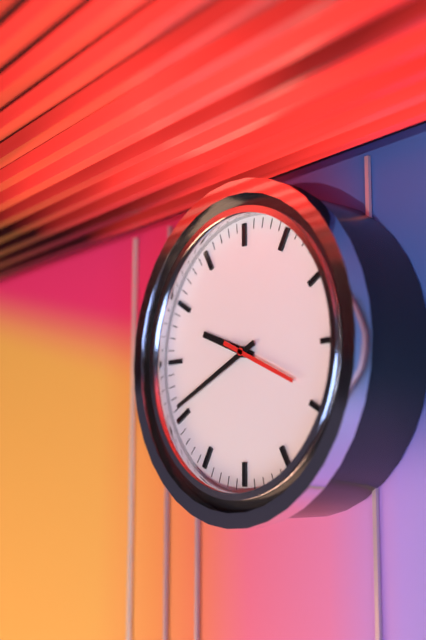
9:41:19
